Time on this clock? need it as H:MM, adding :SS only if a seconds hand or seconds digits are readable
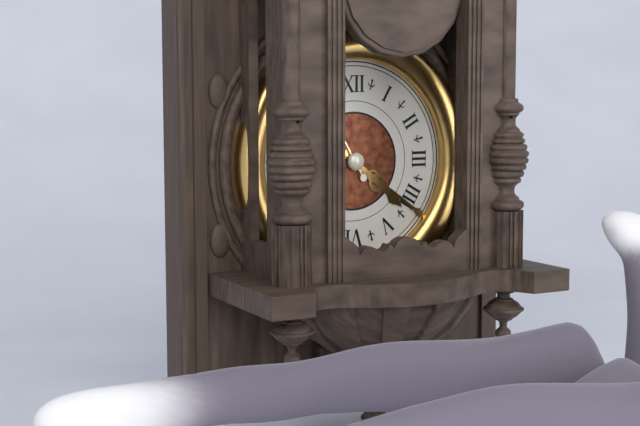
4:21
